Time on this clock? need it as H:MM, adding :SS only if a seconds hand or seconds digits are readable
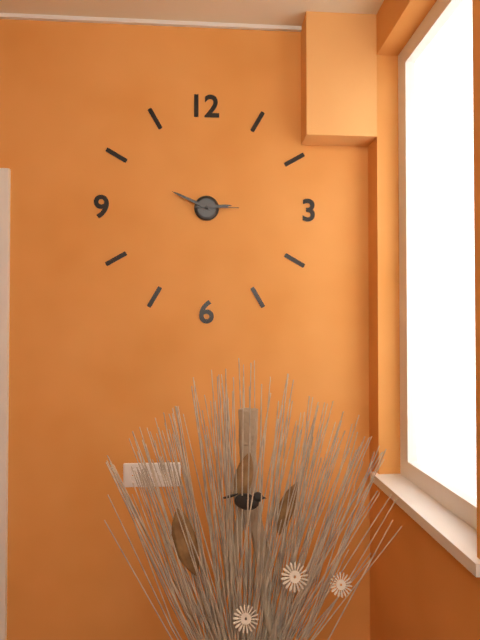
2:49
